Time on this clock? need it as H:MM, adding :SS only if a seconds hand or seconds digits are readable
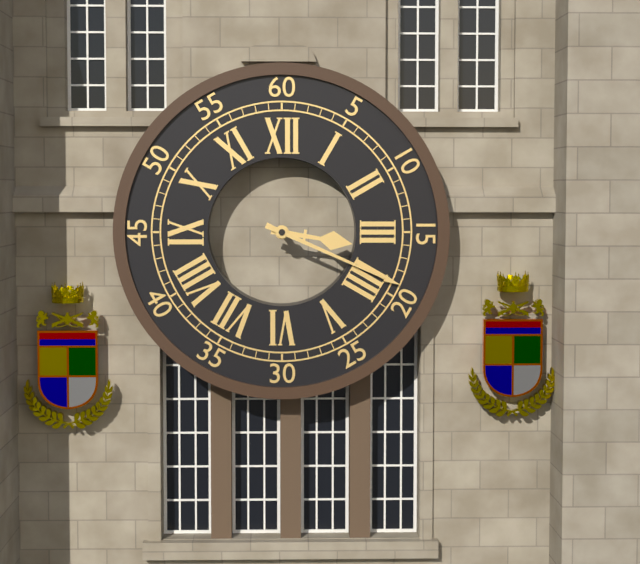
3:19
